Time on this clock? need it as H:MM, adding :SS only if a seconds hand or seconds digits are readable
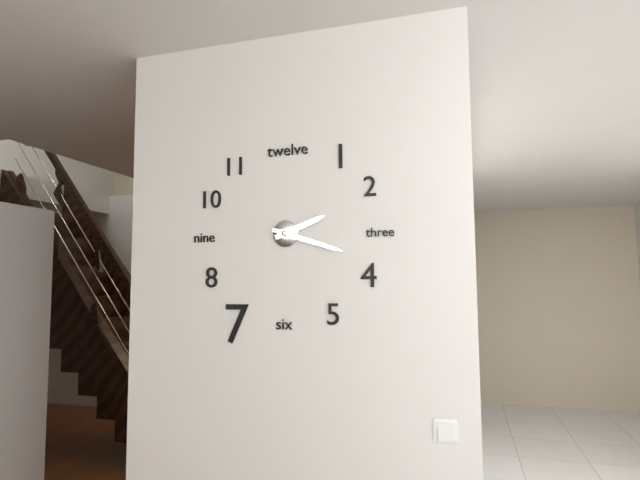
2:18
